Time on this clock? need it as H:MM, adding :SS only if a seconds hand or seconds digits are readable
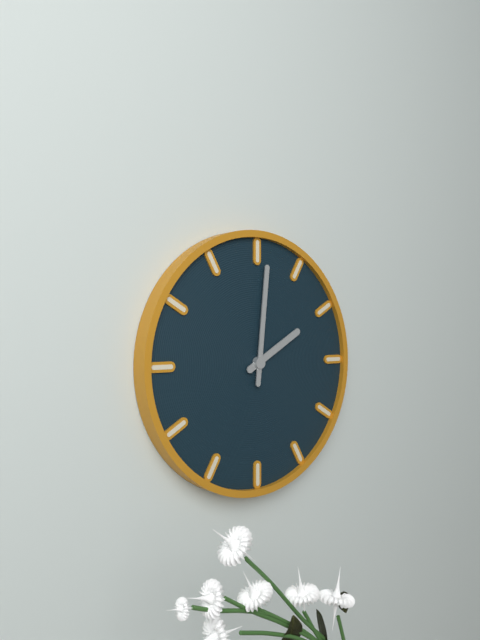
2:01
